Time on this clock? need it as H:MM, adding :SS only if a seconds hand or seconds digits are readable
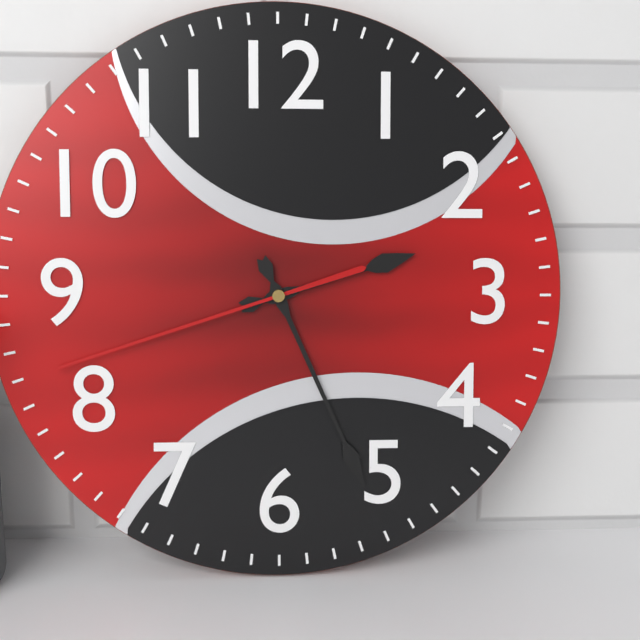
2:26:42
